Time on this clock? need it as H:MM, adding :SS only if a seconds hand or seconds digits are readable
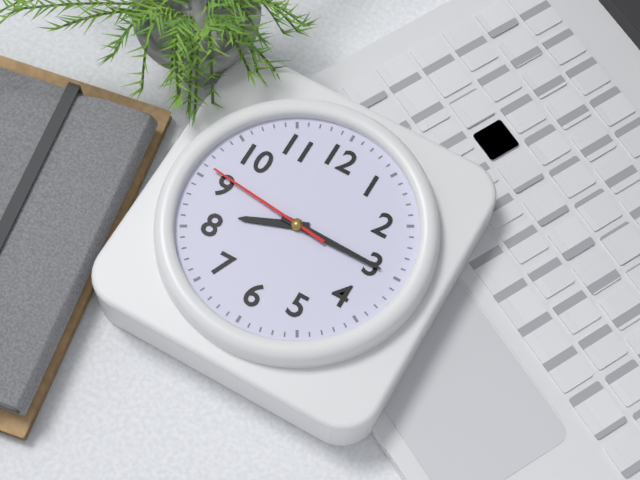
8:15:46
